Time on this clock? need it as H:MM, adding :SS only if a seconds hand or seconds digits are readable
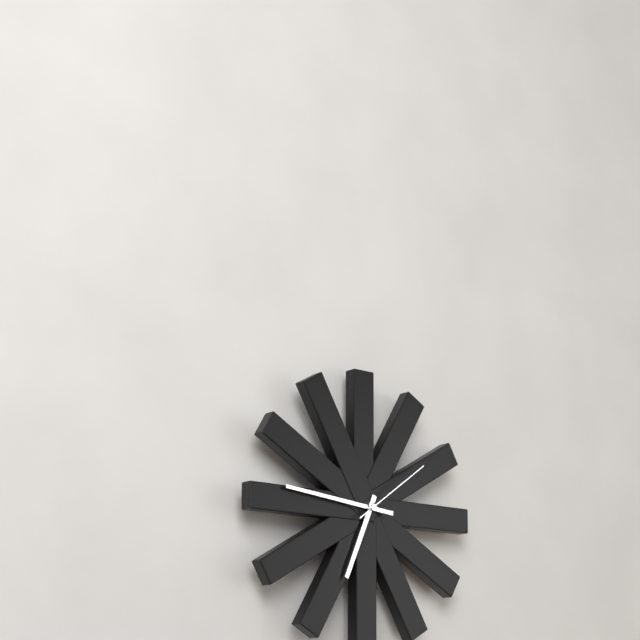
6:46:09
